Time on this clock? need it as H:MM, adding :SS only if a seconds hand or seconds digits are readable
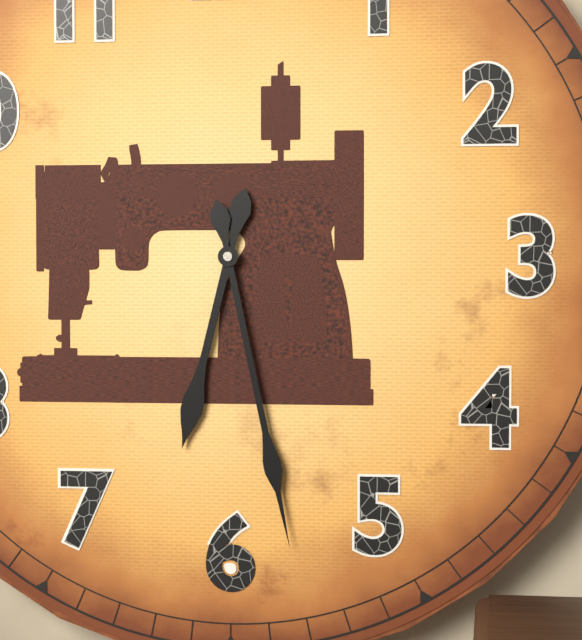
6:28
